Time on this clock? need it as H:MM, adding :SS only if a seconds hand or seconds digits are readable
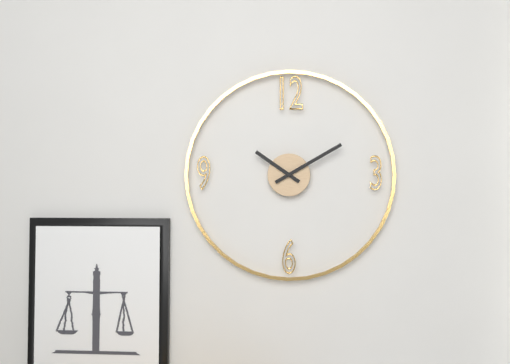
10:10
